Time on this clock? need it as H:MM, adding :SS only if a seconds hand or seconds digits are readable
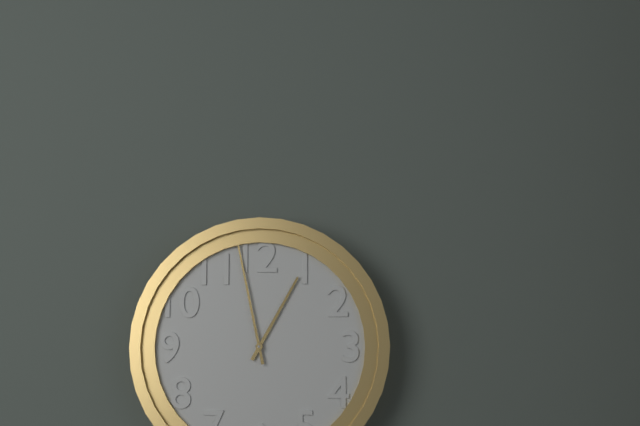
12:58
